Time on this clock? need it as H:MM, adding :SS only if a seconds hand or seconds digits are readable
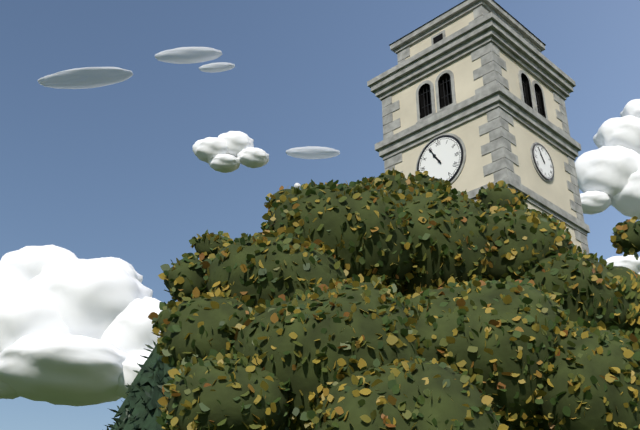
10:55
